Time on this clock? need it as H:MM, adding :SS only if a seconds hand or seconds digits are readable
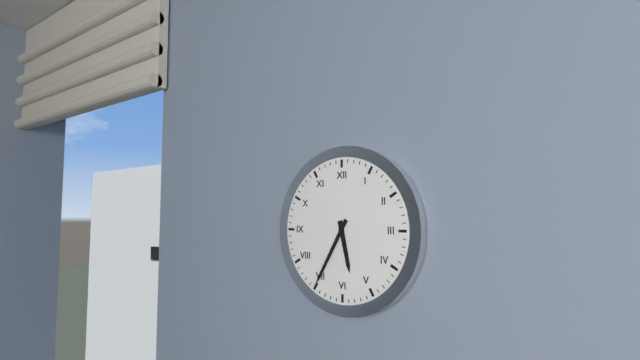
5:35
